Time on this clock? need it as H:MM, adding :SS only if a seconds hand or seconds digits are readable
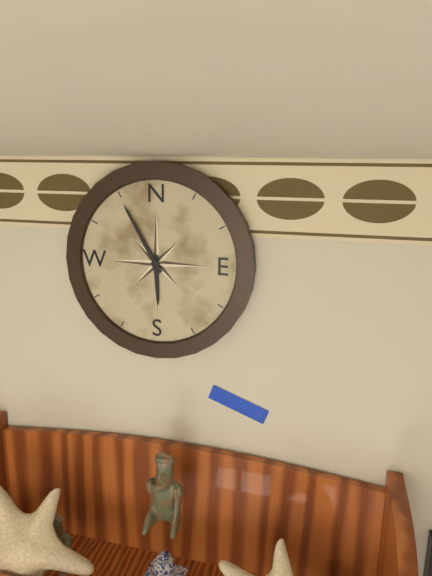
5:55
